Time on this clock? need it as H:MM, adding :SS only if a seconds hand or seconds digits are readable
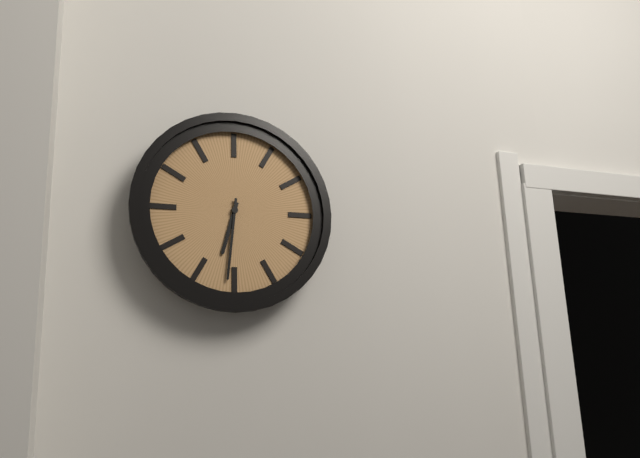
6:31
